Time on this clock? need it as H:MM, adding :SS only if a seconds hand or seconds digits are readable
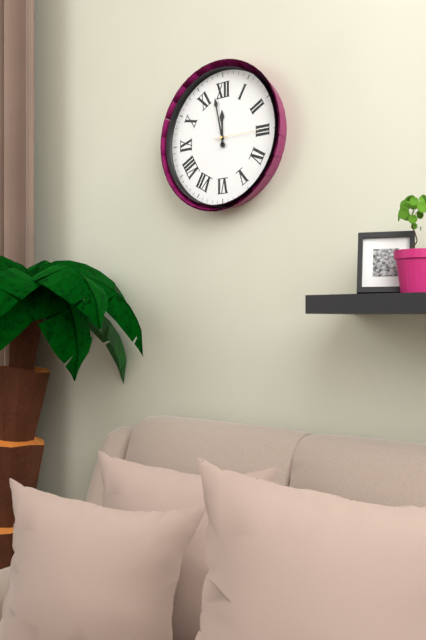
11:58
